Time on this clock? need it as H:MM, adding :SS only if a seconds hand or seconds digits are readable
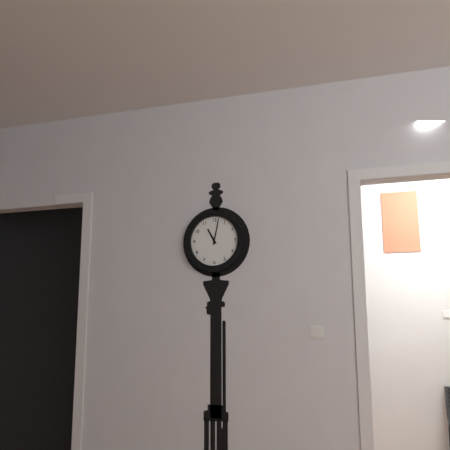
11:02
